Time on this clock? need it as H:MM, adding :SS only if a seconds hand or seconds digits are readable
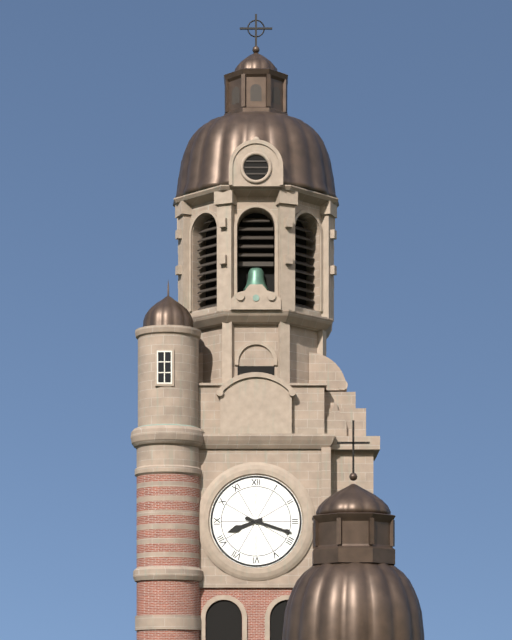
8:18
